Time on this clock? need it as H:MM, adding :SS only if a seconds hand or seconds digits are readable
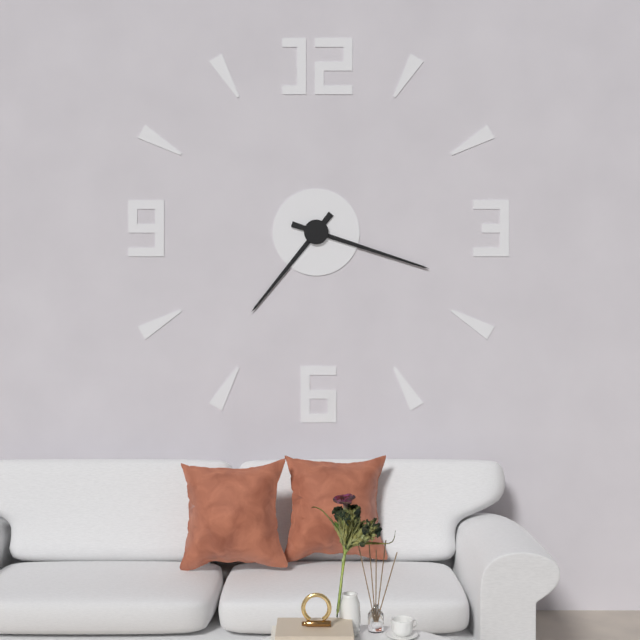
7:18
